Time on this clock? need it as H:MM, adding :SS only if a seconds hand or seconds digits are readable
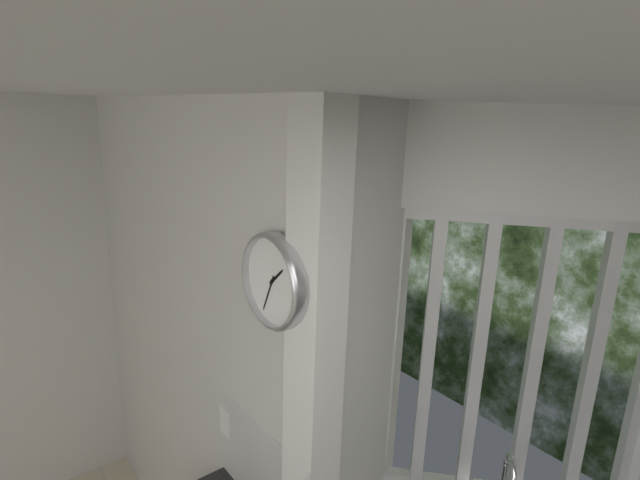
1:34
